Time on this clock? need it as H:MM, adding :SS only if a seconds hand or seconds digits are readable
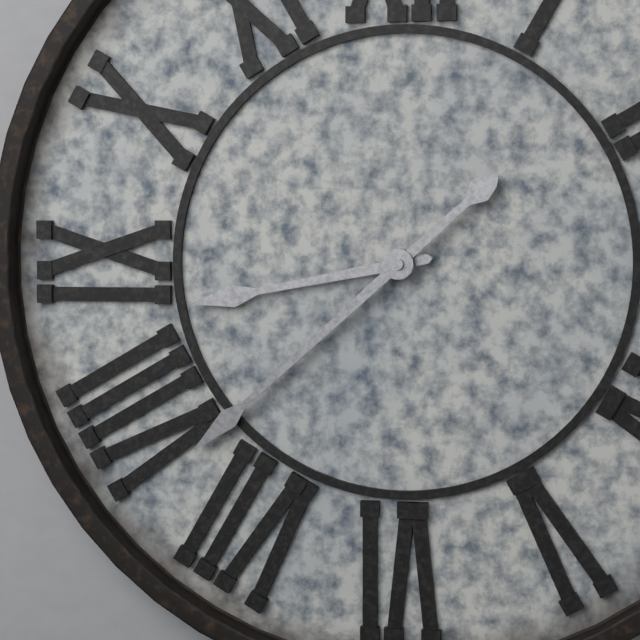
8:38
